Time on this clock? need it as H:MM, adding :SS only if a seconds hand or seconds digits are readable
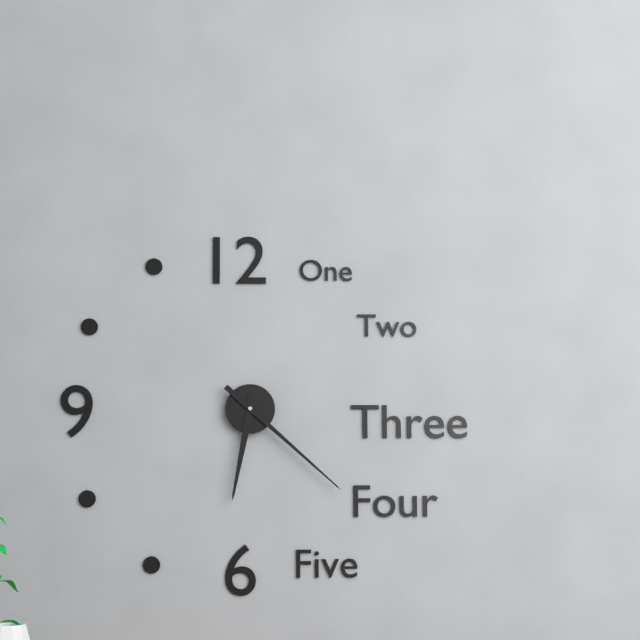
6:22
